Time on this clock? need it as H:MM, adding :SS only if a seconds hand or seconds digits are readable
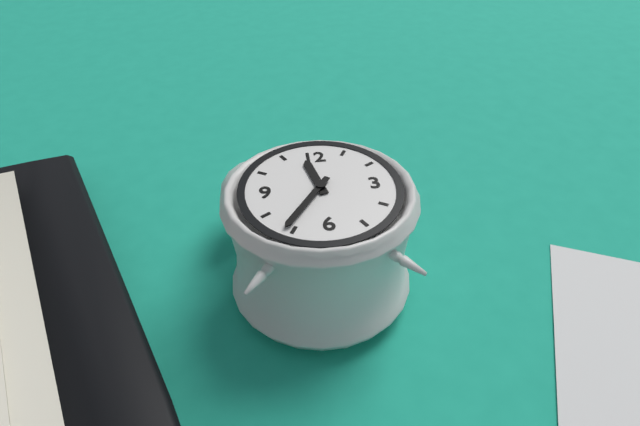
11:36
